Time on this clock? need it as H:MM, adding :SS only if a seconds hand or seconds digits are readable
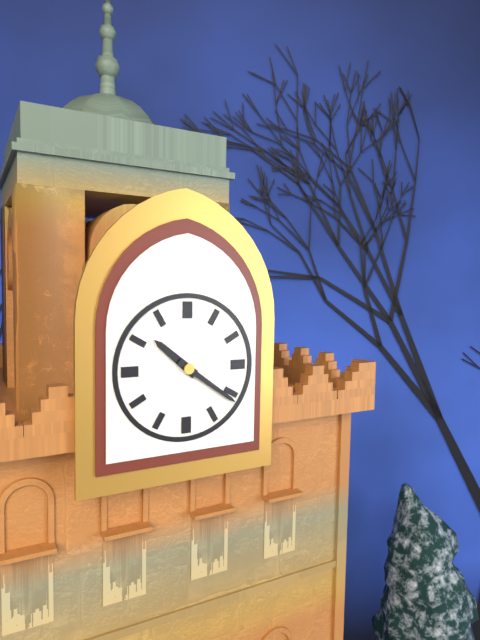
10:21
